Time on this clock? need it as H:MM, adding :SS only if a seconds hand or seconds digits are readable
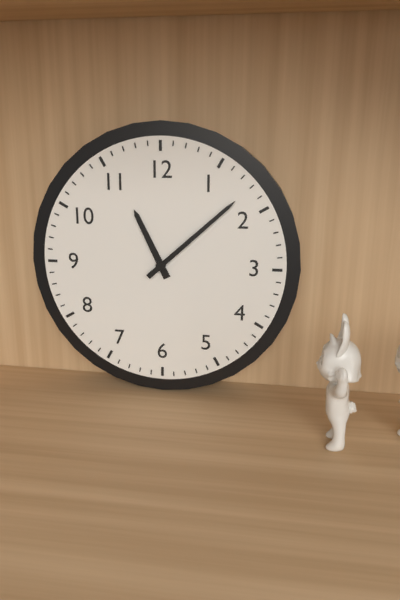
11:08
